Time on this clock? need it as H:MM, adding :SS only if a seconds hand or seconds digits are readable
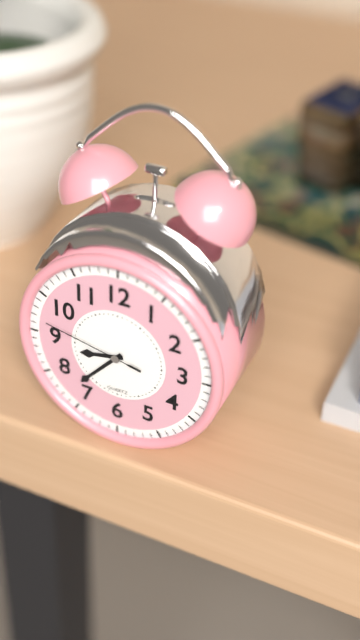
8:37:47
